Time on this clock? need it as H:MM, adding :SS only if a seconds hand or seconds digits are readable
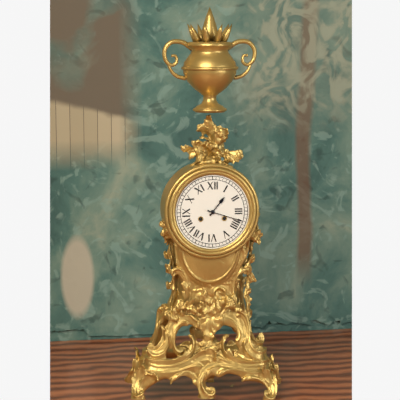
1:18
